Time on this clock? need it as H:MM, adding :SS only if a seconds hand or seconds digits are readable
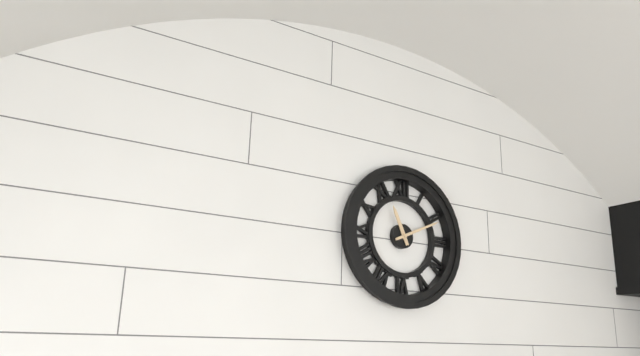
11:11
